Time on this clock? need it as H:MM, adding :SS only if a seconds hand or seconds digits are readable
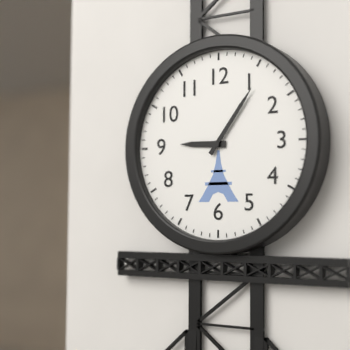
9:06
